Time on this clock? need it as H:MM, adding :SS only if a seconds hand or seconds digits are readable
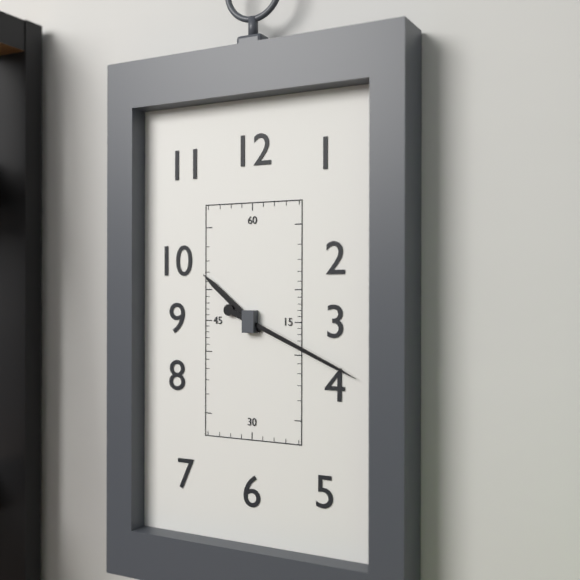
10:19
